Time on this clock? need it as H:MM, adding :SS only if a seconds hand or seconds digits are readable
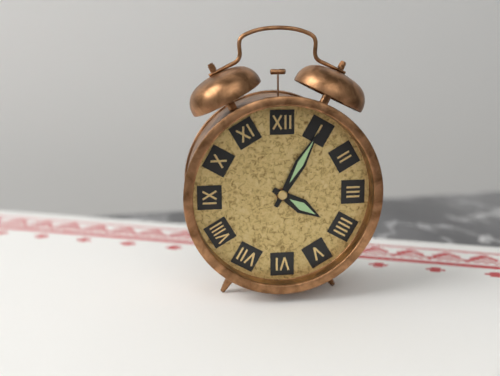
4:05
